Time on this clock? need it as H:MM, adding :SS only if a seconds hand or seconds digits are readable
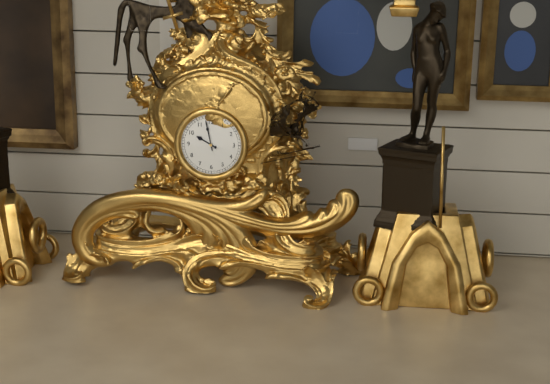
9:58
